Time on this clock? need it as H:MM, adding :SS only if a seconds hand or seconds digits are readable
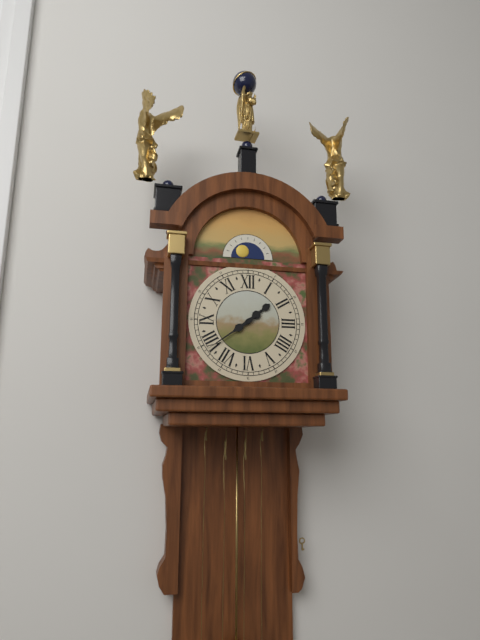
1:39
